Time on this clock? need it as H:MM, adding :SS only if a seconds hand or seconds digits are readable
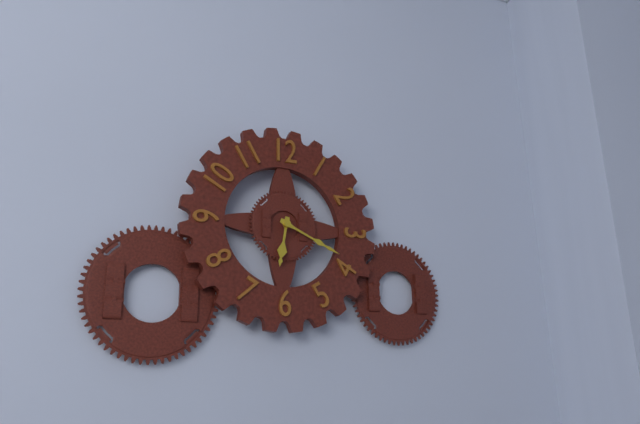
6:19
